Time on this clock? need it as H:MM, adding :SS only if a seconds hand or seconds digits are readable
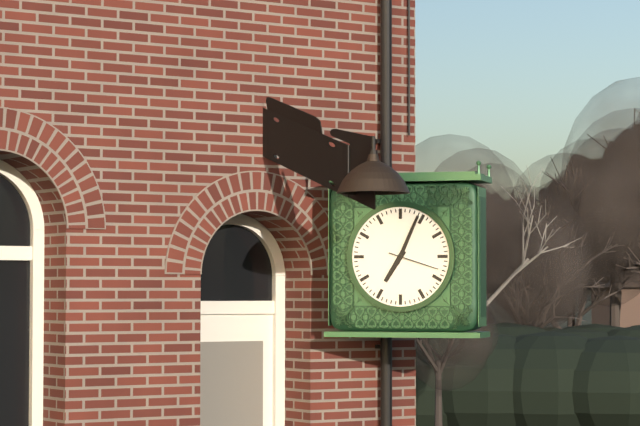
7:04
